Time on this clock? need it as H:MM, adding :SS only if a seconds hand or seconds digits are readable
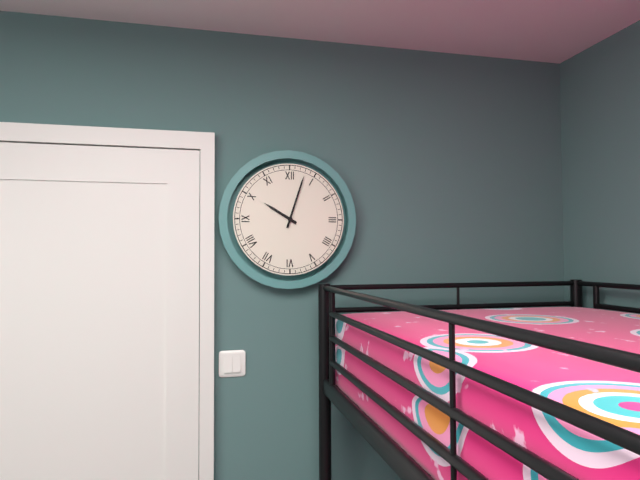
10:03
